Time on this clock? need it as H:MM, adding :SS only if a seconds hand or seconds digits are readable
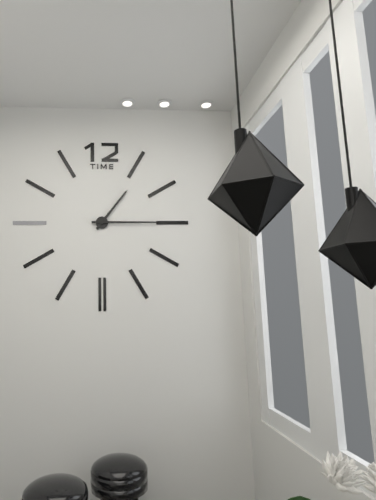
1:15
